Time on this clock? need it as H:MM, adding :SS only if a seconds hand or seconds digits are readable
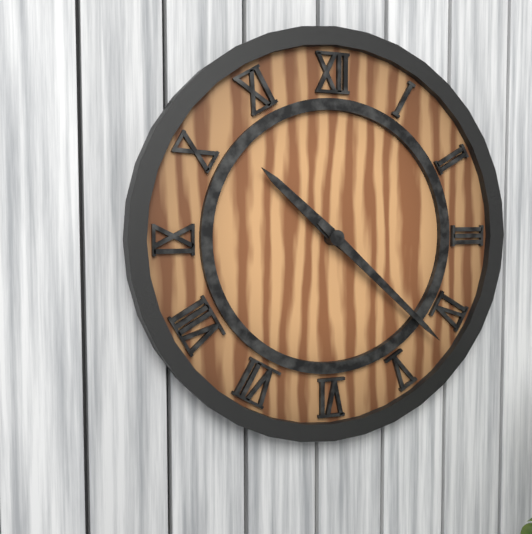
10:22
